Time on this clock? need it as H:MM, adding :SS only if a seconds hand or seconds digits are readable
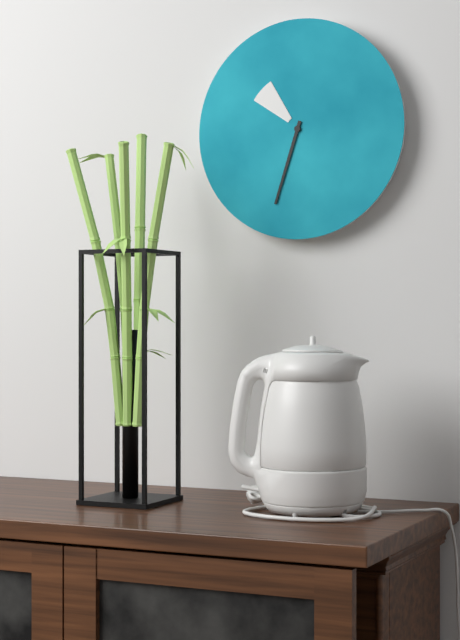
10:33
